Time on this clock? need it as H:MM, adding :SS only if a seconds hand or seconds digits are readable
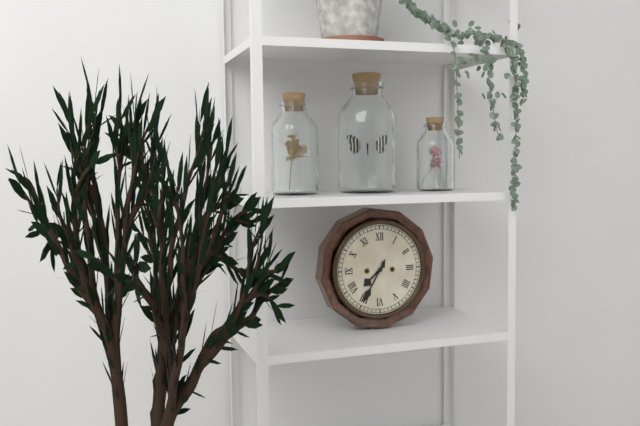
7:35
